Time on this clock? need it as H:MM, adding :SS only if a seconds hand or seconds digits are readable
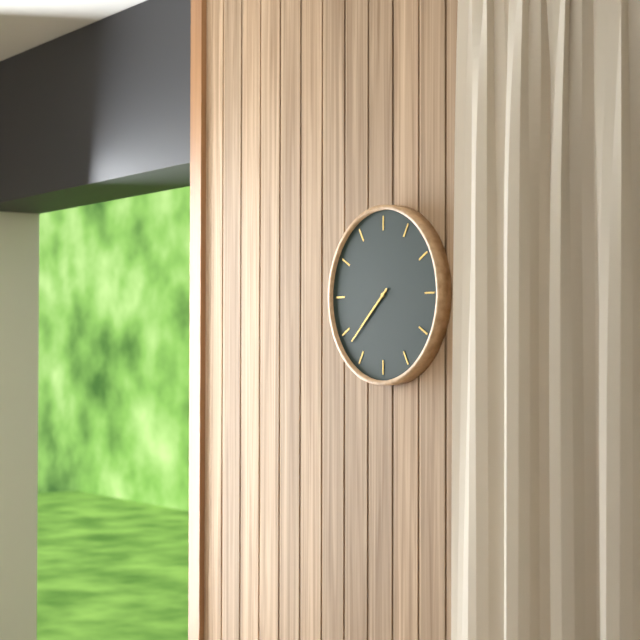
7:38
